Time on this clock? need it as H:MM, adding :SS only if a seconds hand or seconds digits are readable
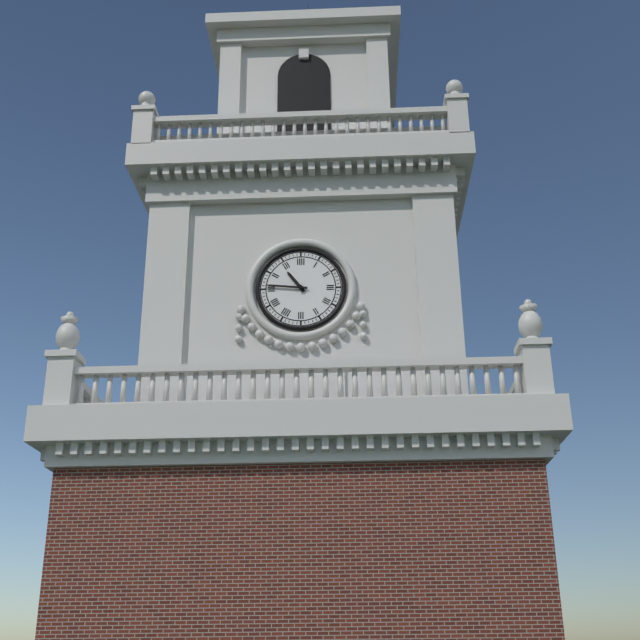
10:46
